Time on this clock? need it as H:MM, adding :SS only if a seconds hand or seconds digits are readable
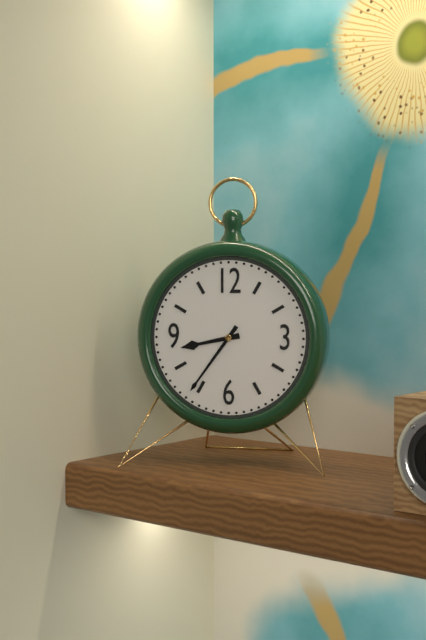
8:36
